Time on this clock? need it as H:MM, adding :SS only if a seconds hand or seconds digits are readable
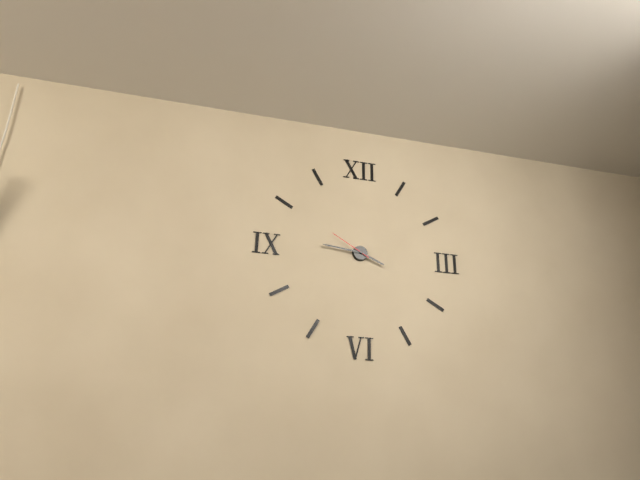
3:46
